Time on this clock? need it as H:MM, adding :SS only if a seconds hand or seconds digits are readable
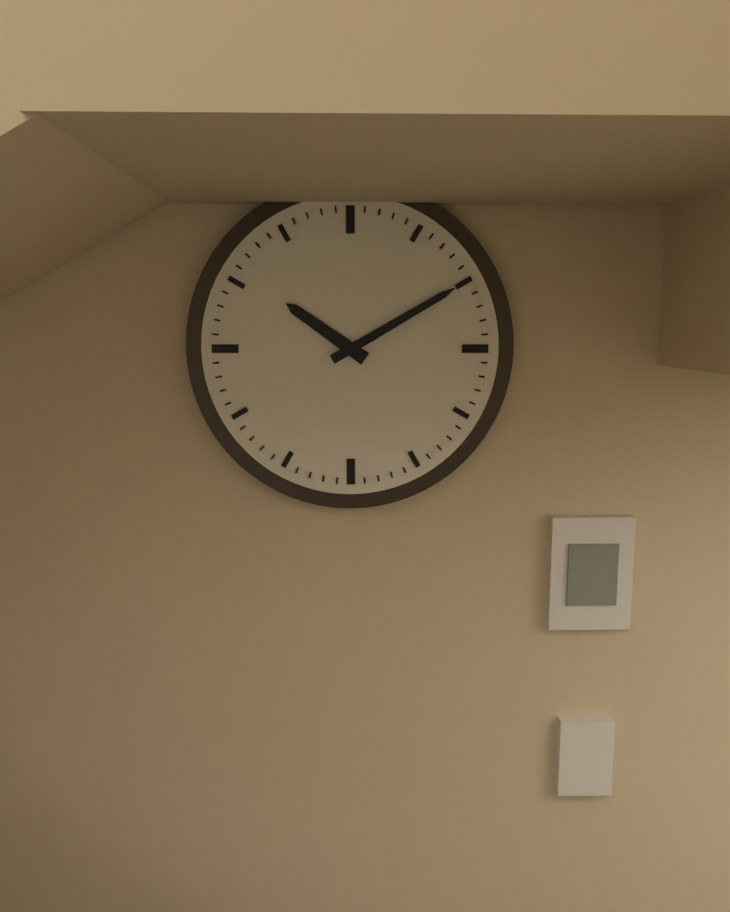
10:10
